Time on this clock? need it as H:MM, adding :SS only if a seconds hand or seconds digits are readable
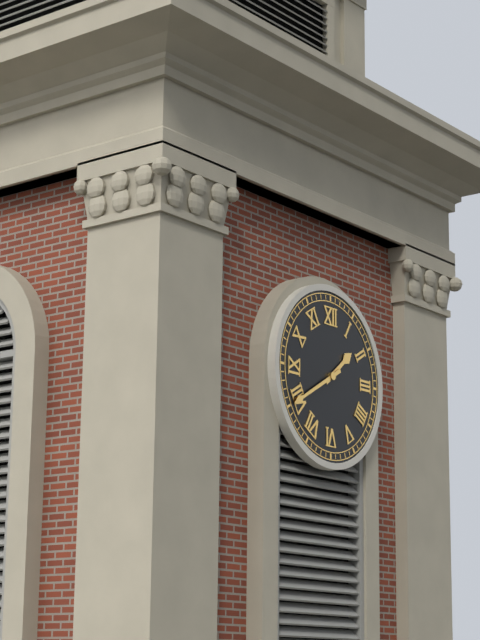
1:40
